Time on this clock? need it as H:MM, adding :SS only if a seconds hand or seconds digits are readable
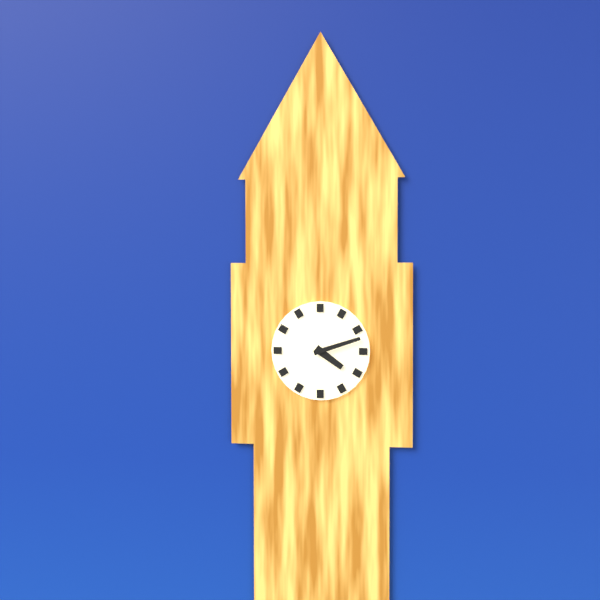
4:12
